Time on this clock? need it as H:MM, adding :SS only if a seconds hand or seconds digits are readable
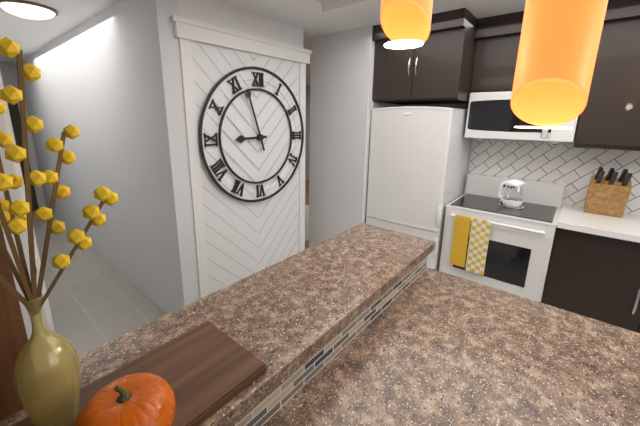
8:57
